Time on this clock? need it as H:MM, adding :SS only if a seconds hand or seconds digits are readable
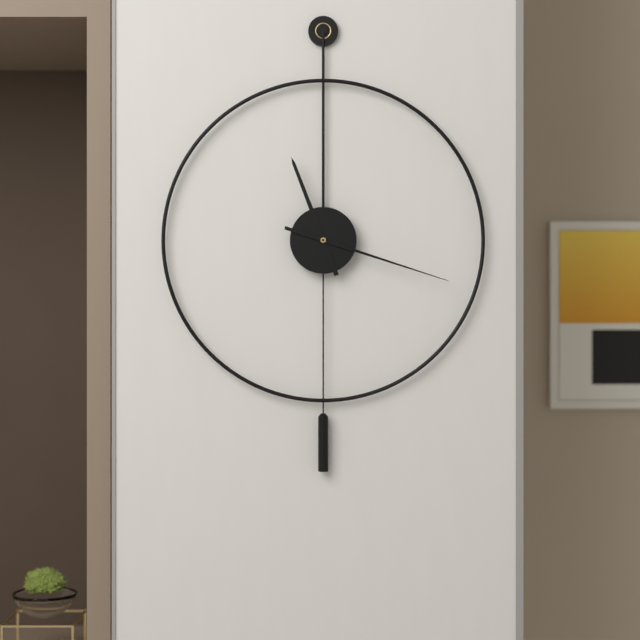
11:18
